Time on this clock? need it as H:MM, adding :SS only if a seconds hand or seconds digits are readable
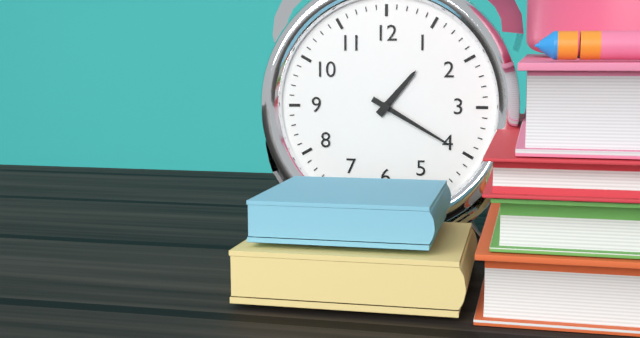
1:20
